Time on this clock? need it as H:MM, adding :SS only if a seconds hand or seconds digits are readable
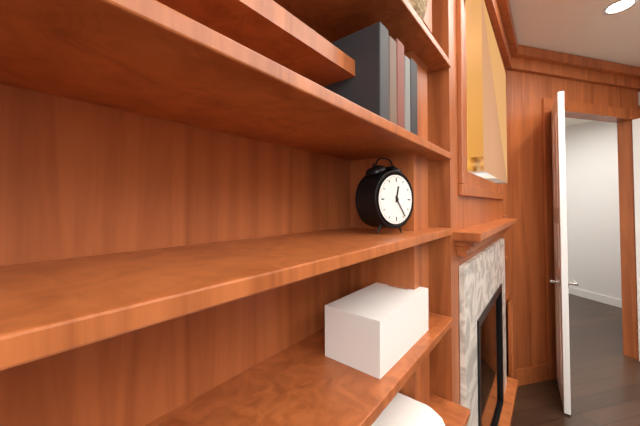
12:24
